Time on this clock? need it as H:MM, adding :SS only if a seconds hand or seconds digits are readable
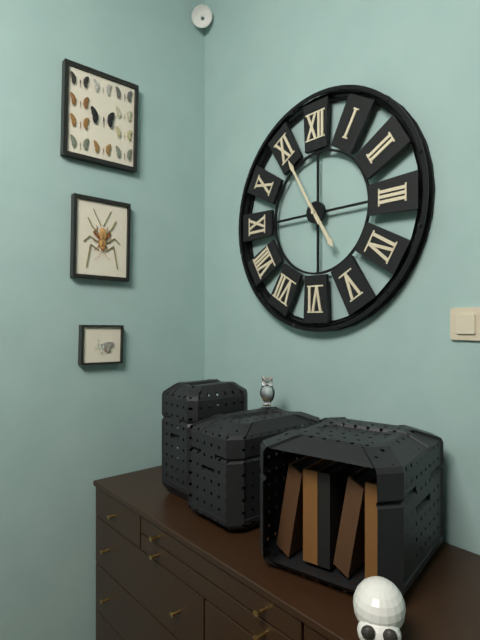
4:55
